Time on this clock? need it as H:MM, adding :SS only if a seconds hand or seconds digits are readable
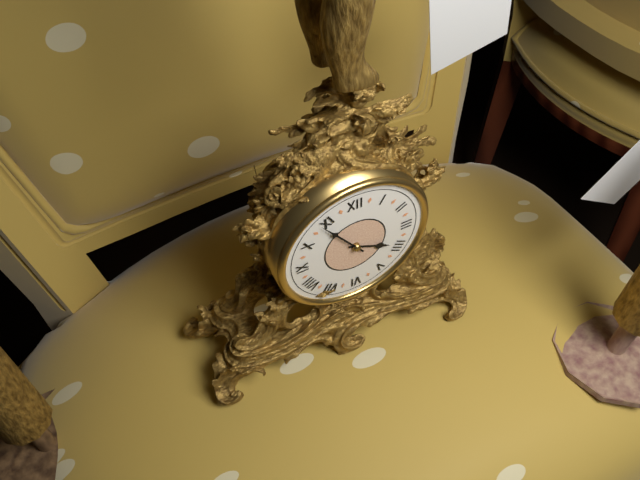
3:54
